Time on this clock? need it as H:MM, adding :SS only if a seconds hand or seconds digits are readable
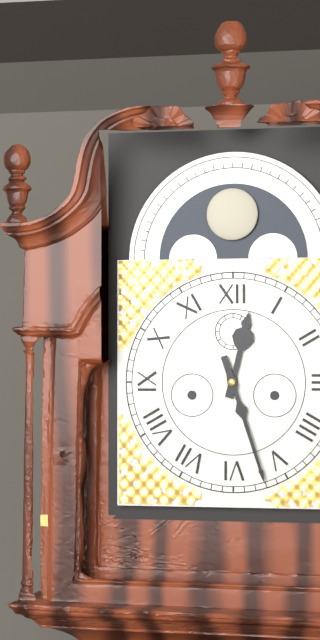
12:27
